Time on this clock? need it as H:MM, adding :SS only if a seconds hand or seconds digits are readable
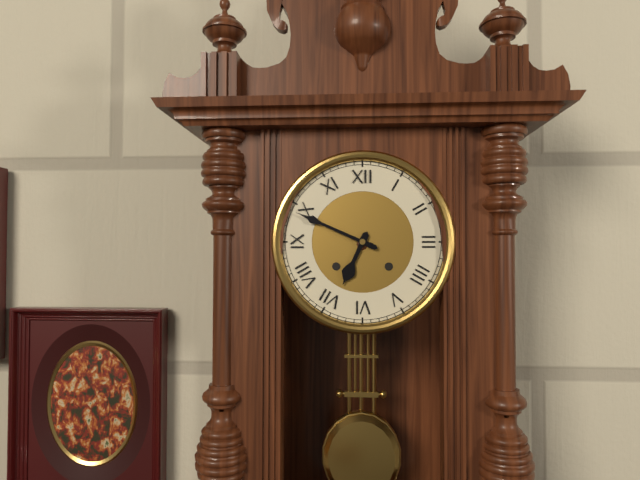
6:49
